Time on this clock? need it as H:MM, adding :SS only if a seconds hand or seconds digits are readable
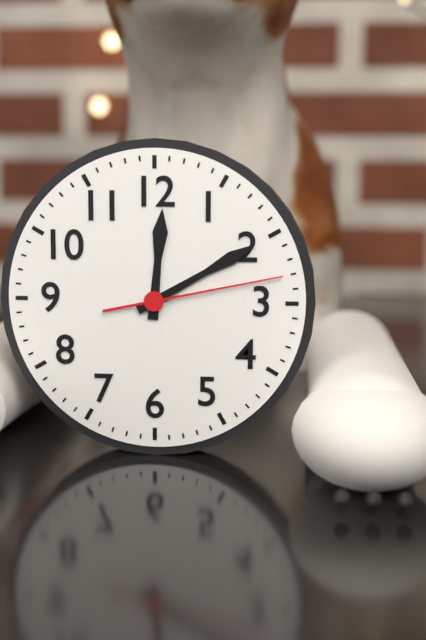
12:10:13
